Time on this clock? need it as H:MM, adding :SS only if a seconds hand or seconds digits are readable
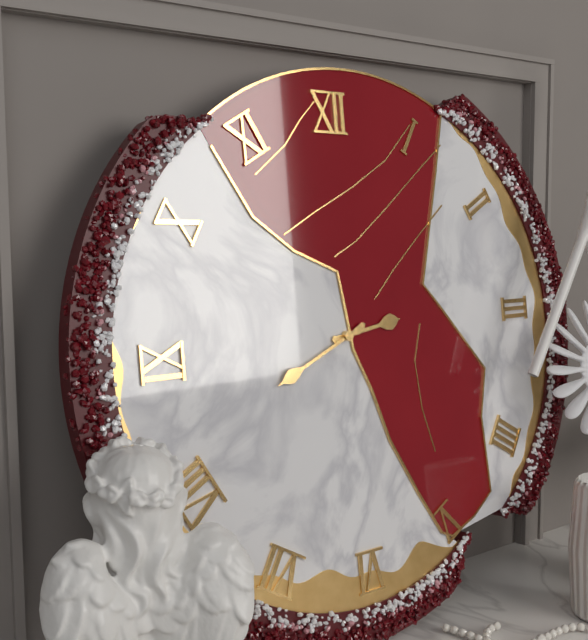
2:41
